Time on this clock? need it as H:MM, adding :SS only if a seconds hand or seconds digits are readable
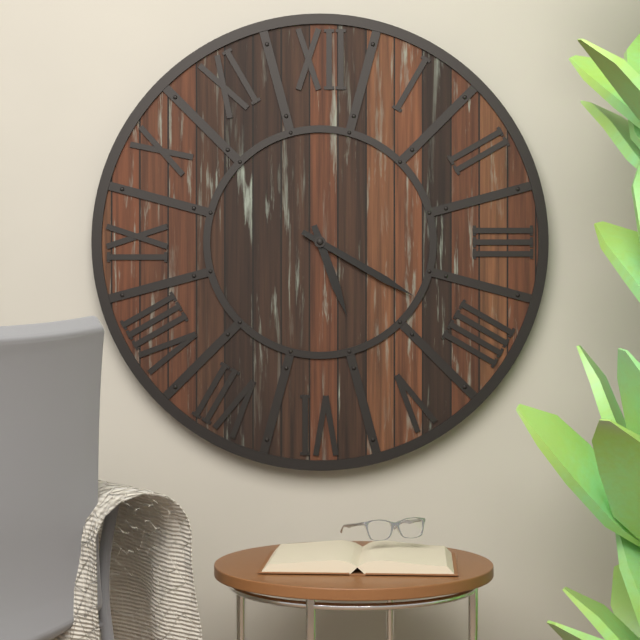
5:20
